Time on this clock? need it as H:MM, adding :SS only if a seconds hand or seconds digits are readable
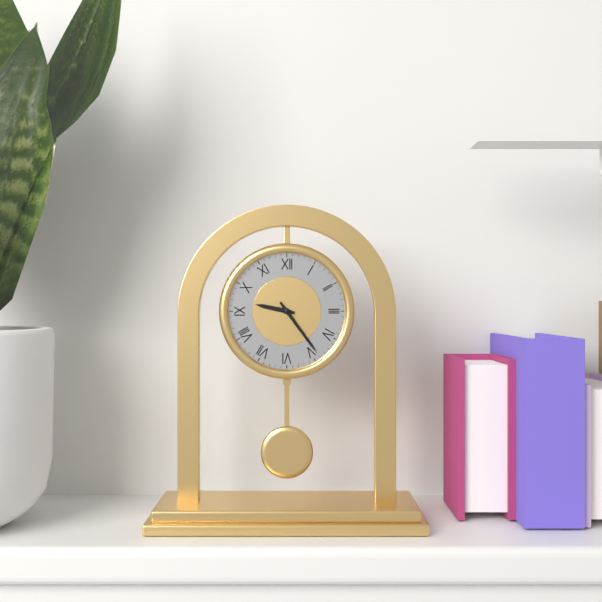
9:24
